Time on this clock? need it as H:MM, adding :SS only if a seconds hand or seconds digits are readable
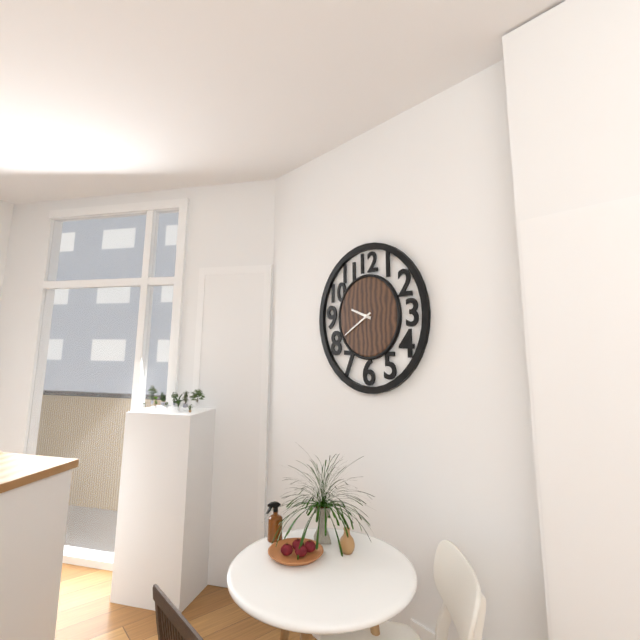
9:40
